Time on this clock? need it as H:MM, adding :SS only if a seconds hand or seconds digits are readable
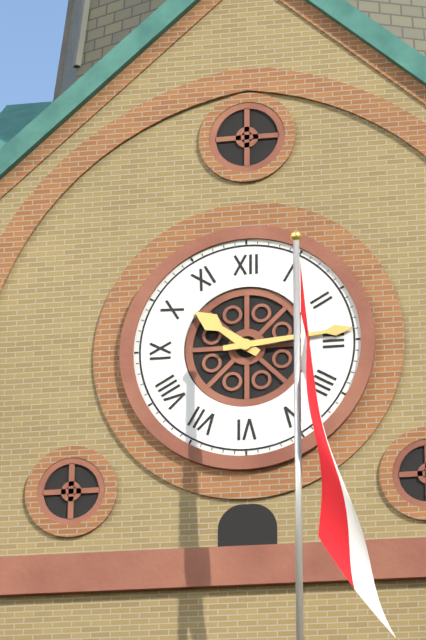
10:14
